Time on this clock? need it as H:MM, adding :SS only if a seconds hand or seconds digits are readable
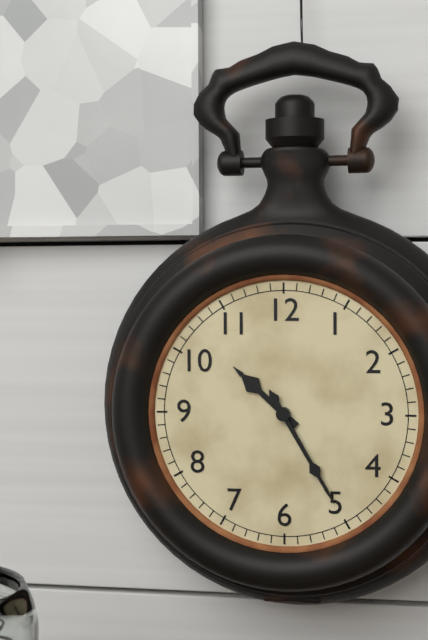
10:25
